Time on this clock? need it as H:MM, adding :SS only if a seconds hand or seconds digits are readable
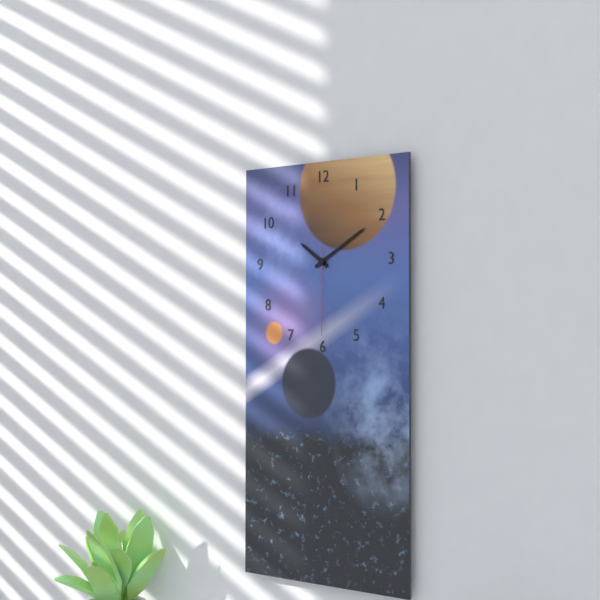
10:10:30
